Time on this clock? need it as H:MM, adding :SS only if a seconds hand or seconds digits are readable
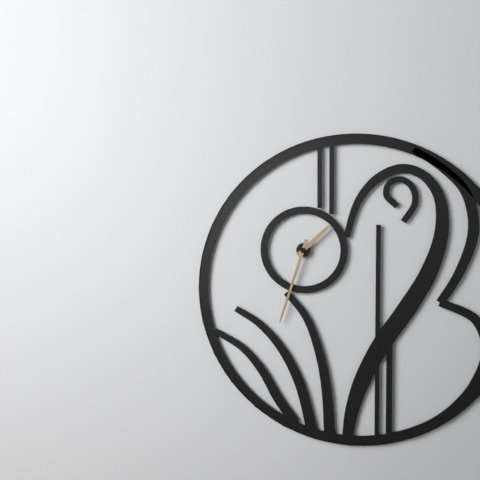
1:33
